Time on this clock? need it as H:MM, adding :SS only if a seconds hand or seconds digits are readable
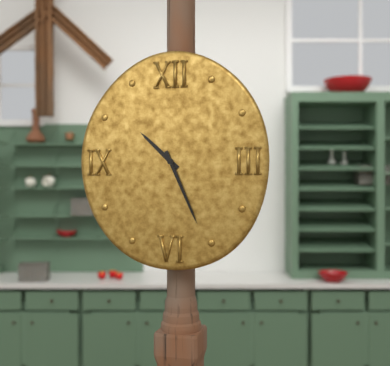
10:26
